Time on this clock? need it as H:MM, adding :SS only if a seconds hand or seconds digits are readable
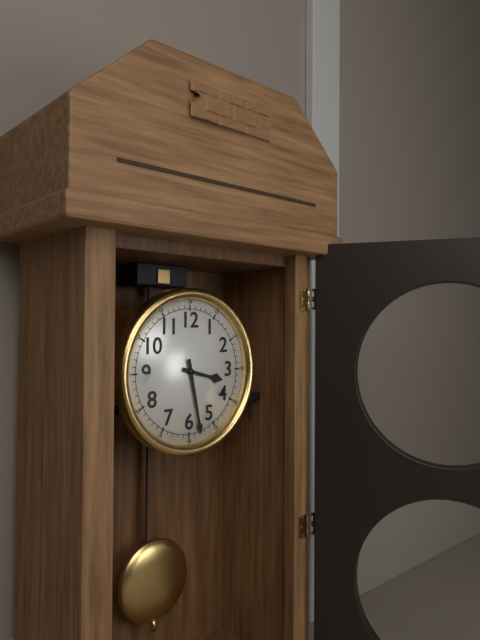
3:28
